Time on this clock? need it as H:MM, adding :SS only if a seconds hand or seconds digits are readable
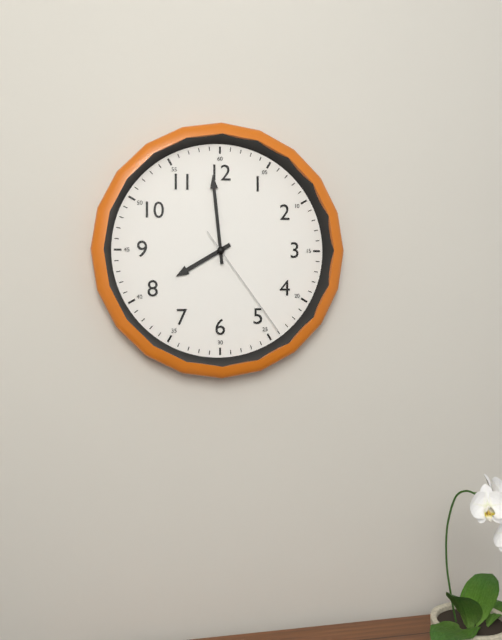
7:59:24
